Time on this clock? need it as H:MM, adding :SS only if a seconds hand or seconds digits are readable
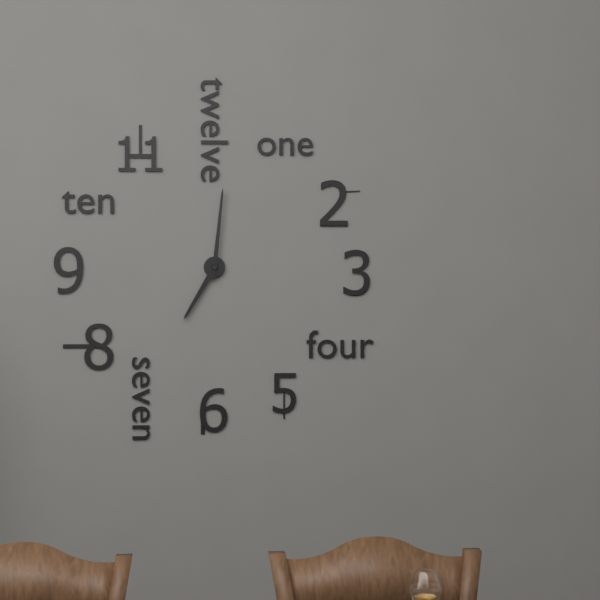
7:01
